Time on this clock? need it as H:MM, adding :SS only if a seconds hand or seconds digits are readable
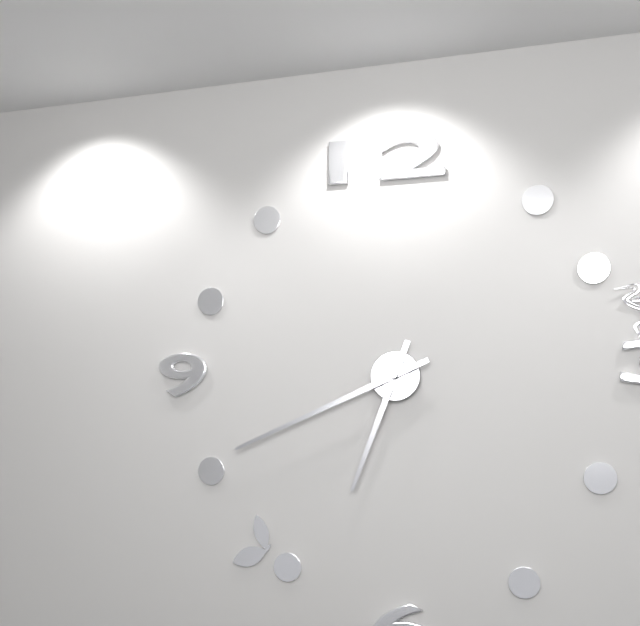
6:41
